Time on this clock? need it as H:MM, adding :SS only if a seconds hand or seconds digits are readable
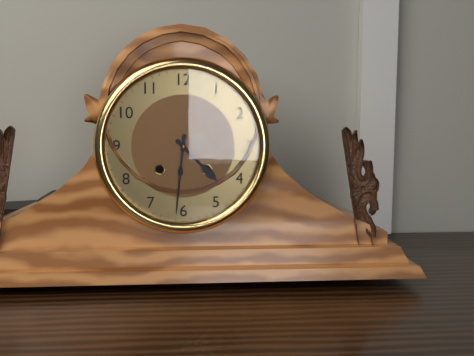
4:31
